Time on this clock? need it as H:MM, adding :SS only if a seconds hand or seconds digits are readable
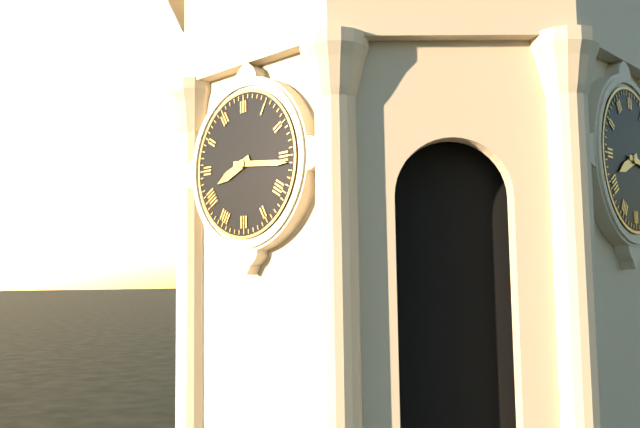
8:16
